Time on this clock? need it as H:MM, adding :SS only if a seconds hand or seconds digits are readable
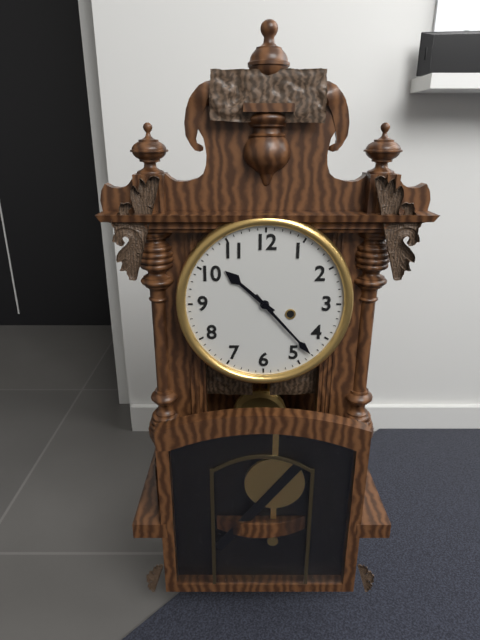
10:23
